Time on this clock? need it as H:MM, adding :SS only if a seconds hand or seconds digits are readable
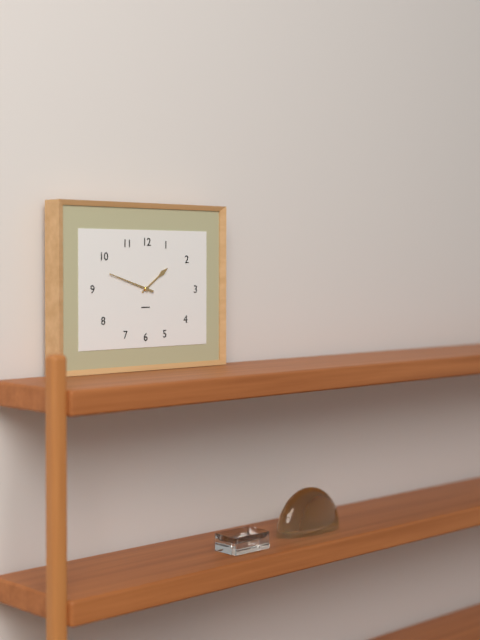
1:48
